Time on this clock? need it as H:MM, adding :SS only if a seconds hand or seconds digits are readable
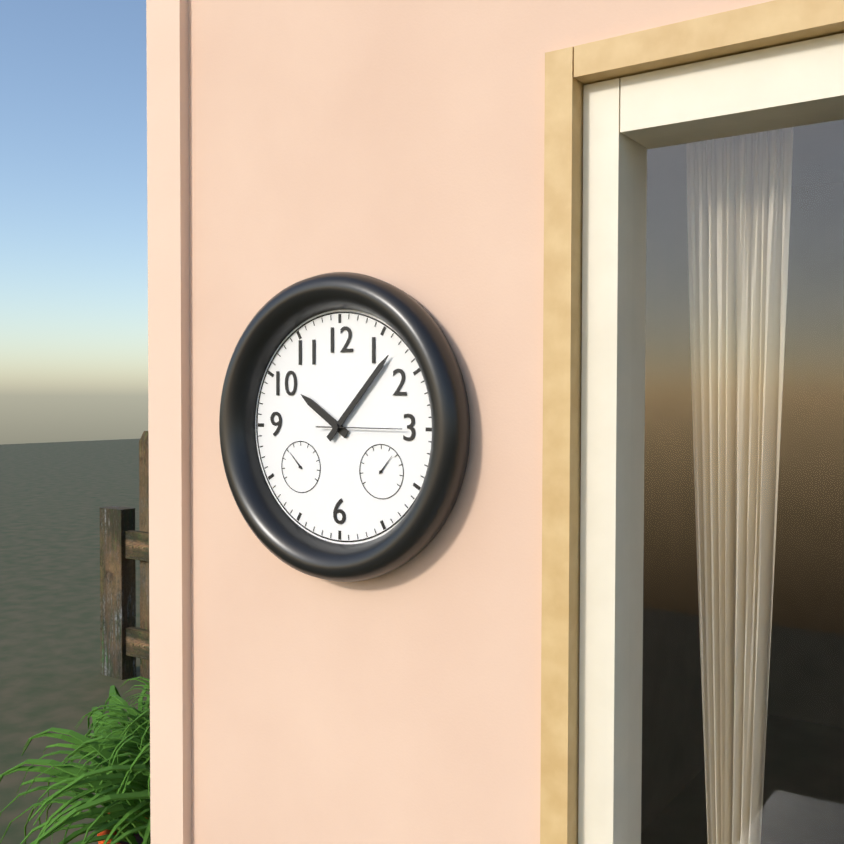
10:07:15
